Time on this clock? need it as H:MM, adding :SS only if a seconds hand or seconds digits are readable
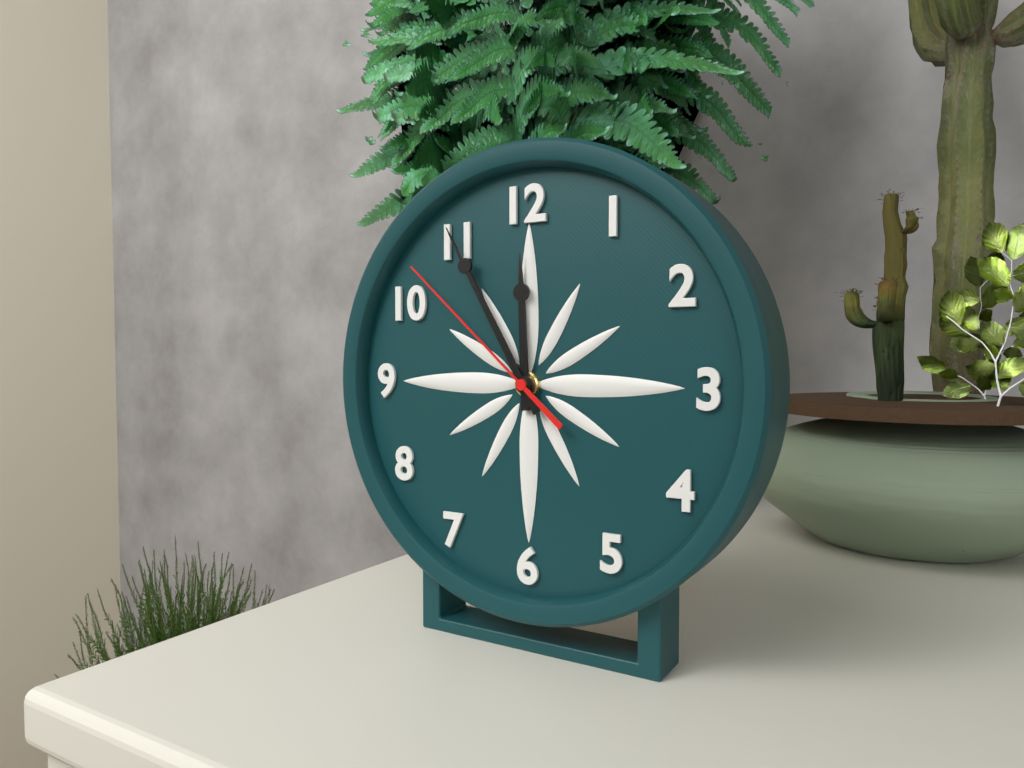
11:55:52
